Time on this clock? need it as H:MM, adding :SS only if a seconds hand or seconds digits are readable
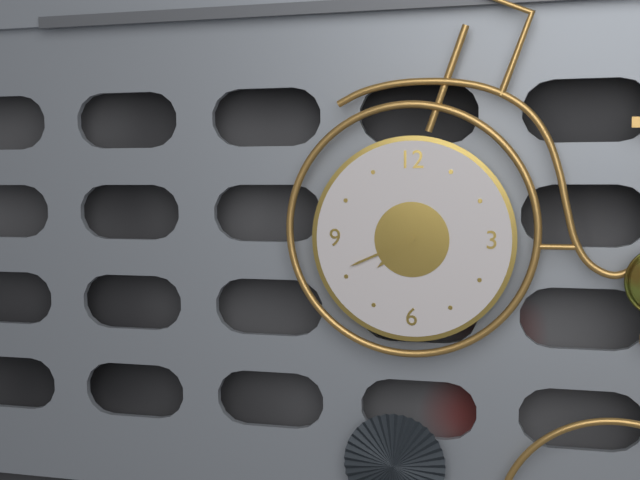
7:41
